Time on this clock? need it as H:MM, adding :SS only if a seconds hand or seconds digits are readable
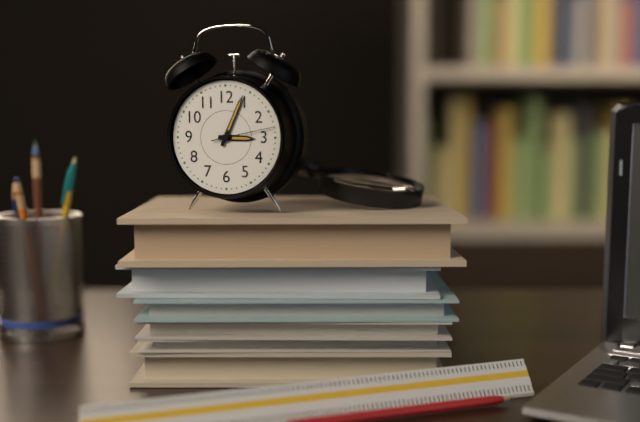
3:04:13
